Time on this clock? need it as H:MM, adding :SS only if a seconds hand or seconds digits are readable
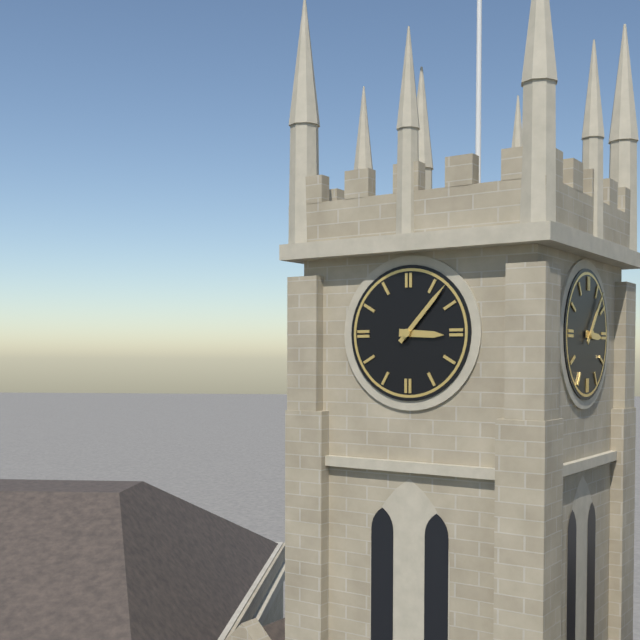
3:07
